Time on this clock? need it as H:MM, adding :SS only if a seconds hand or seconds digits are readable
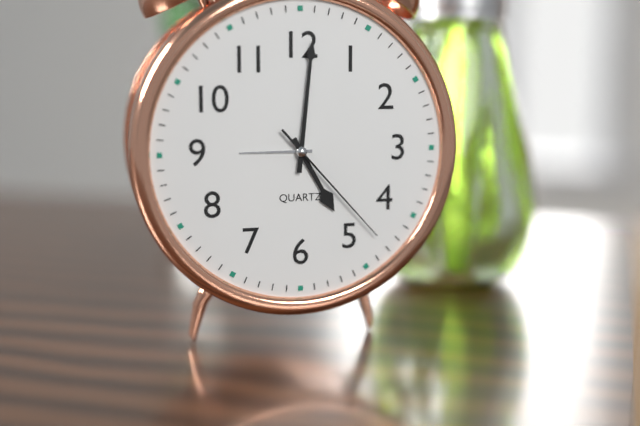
5:01:23
